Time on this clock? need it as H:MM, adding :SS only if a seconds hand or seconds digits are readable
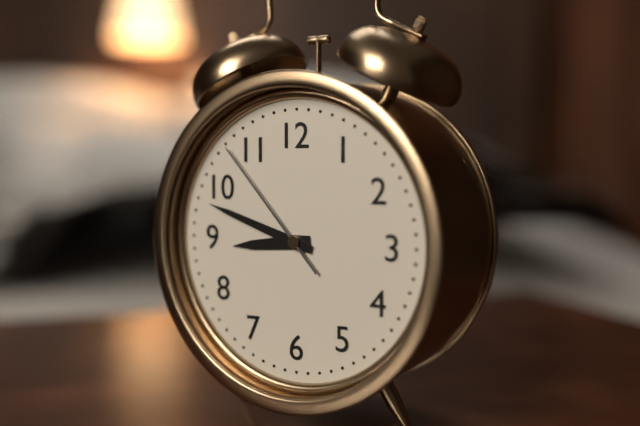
8:48:53
